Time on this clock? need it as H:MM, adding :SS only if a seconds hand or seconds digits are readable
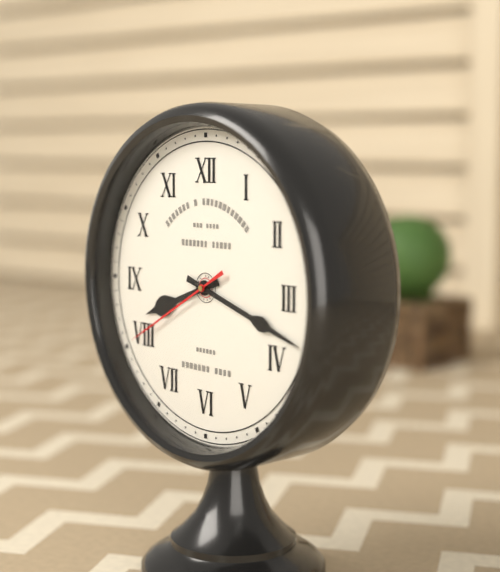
8:18:40
